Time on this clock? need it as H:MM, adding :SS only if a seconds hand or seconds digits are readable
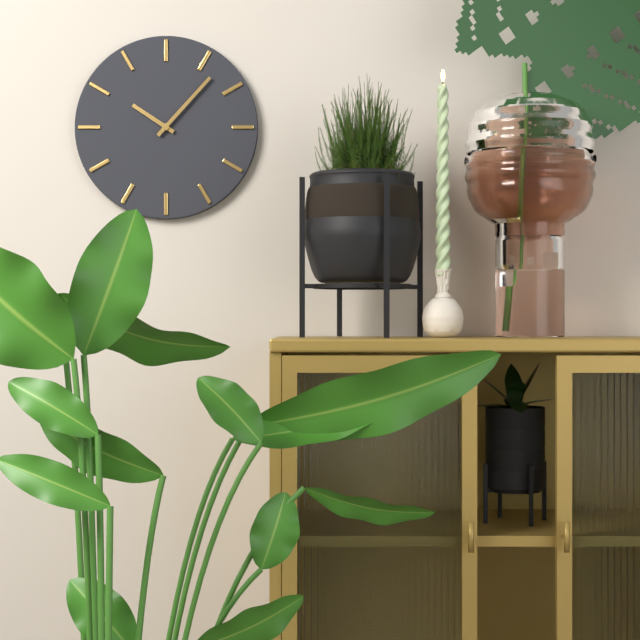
10:07
